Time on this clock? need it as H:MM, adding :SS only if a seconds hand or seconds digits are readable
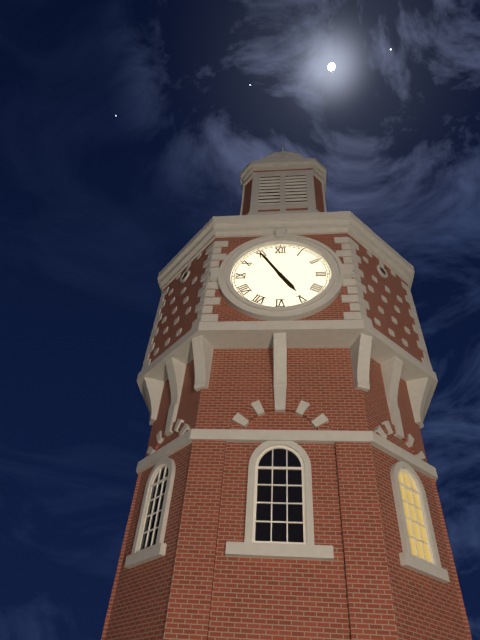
4:55
